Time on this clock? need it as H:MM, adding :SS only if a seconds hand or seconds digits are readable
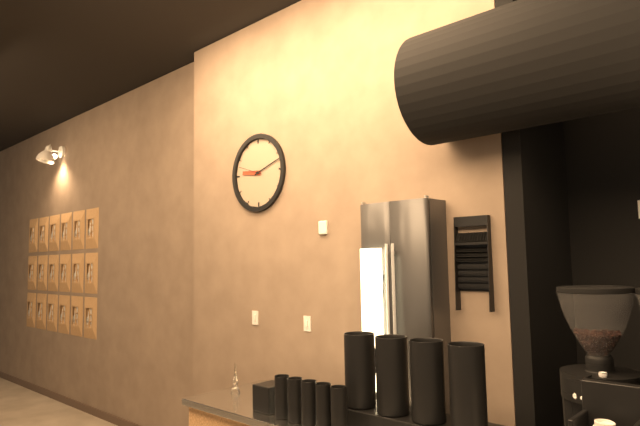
9:12
